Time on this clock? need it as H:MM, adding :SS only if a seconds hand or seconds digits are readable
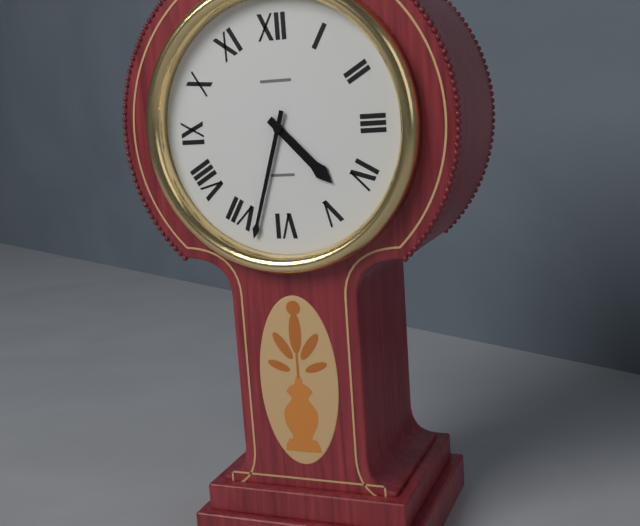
4:33
